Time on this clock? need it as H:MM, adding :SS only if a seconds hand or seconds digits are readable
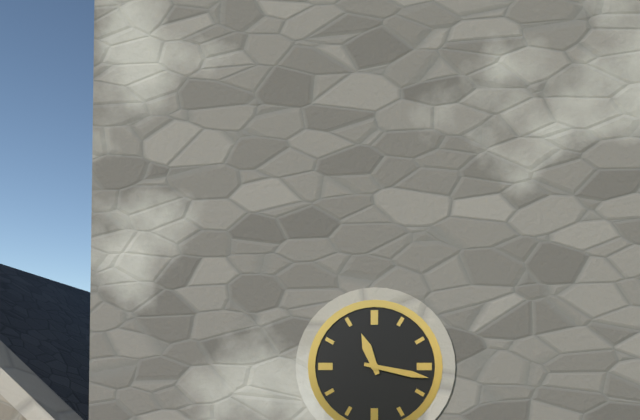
11:17
